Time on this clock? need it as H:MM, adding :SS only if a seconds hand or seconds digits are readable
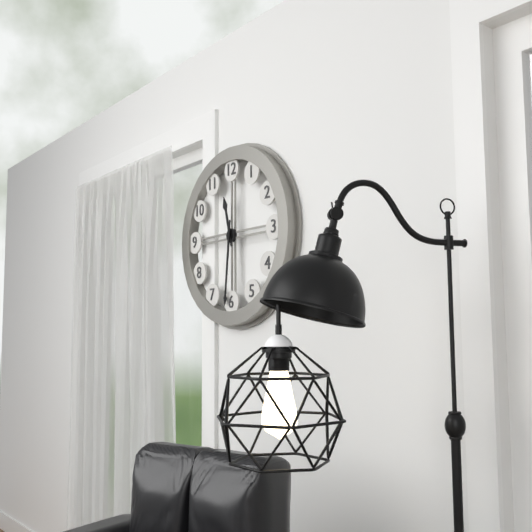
11:31
